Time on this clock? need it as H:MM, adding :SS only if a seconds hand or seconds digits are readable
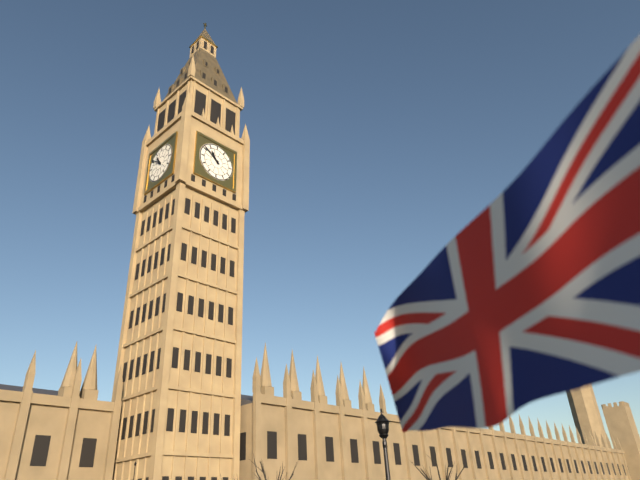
10:51
